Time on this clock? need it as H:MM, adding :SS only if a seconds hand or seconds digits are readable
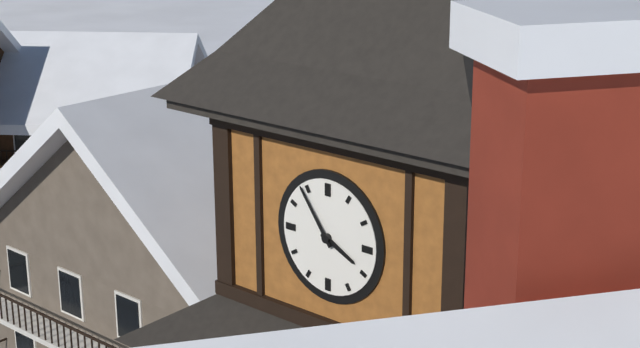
3:54
